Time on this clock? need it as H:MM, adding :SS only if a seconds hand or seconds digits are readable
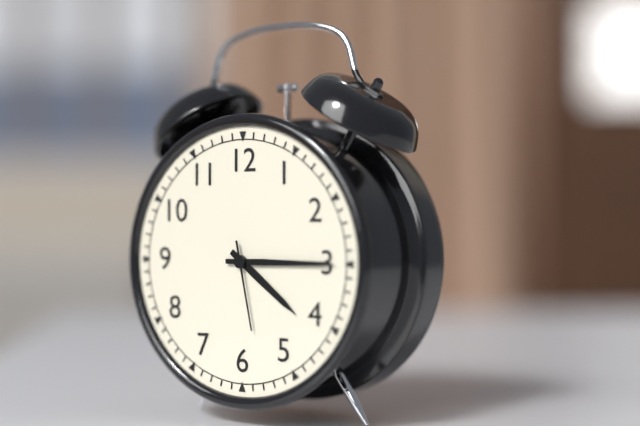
4:15:28
